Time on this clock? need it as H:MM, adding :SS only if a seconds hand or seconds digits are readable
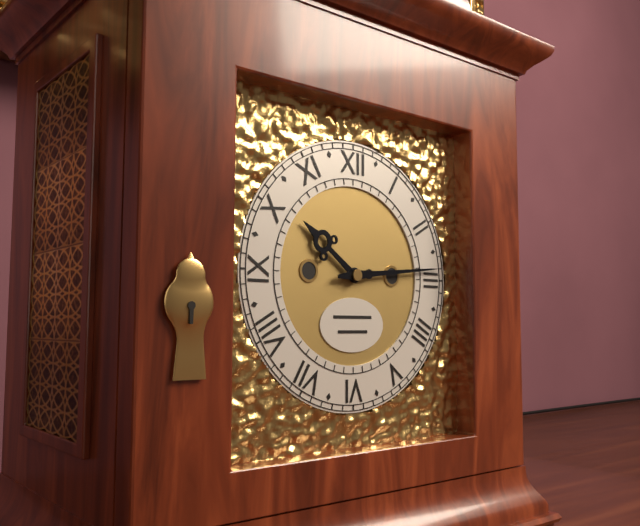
10:14
